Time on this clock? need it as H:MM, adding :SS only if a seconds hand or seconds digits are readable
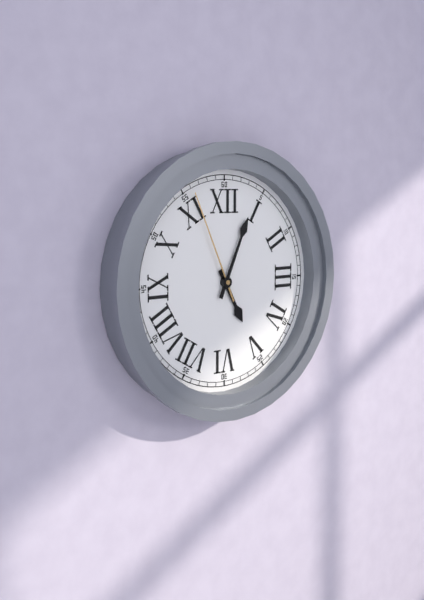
5:04:56
